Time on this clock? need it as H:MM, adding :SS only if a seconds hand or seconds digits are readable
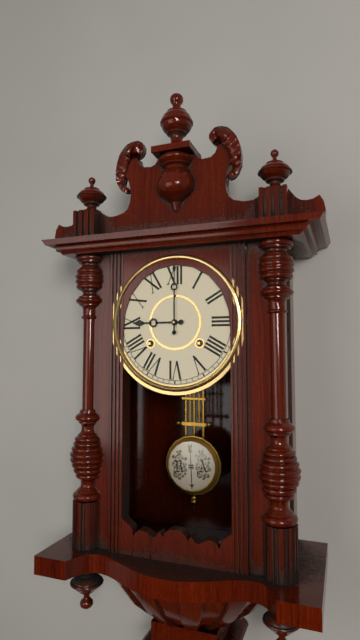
9:00
